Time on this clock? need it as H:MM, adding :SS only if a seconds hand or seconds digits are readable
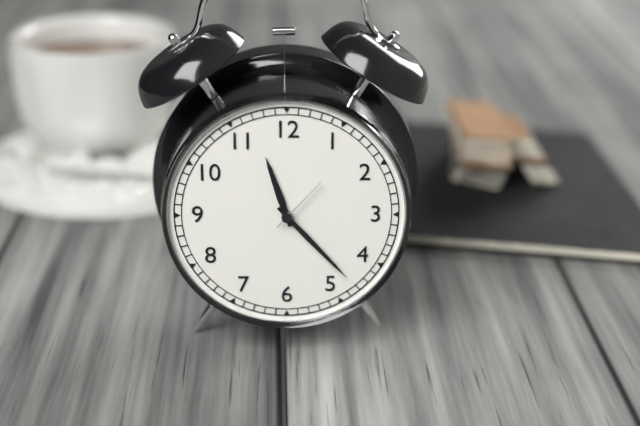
11:23:07
